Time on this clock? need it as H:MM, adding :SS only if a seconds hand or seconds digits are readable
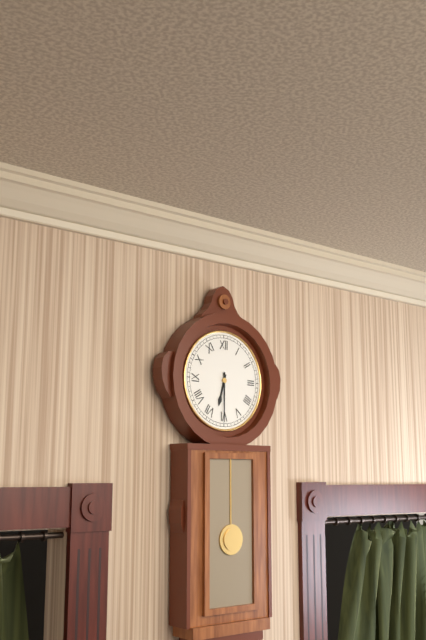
6:30
